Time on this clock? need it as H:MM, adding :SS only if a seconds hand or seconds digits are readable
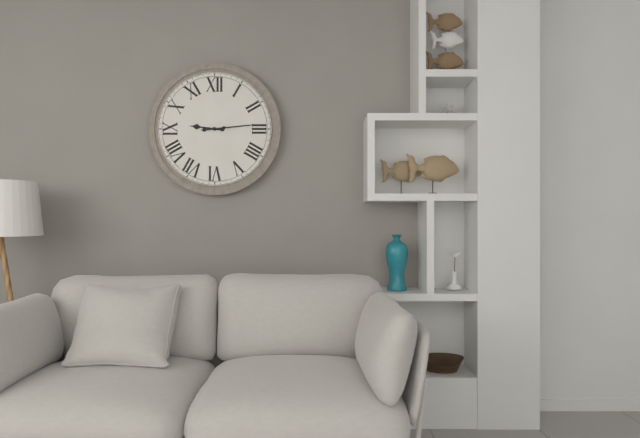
9:14
